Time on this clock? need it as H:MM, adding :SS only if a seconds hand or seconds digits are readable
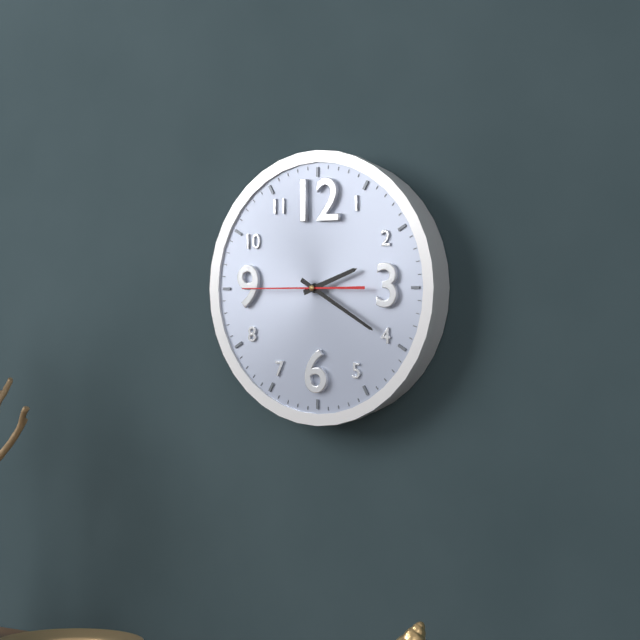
2:20:45
